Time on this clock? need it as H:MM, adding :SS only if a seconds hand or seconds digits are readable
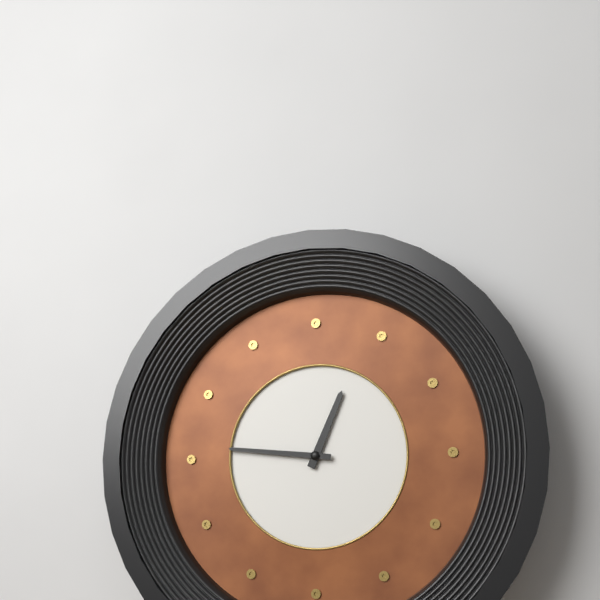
12:46
